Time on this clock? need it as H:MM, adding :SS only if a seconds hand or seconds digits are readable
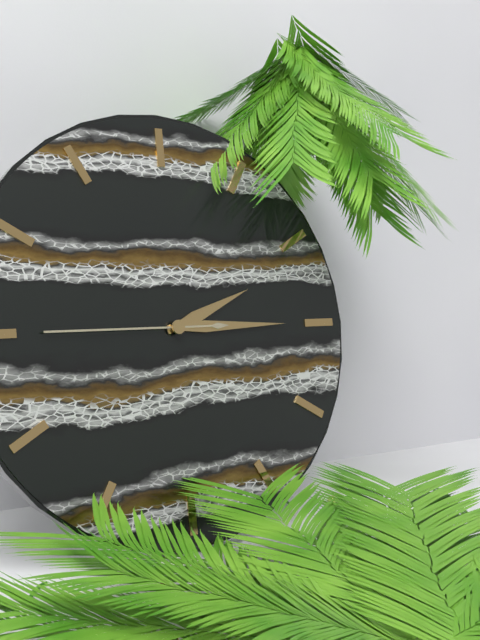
2:15:45
